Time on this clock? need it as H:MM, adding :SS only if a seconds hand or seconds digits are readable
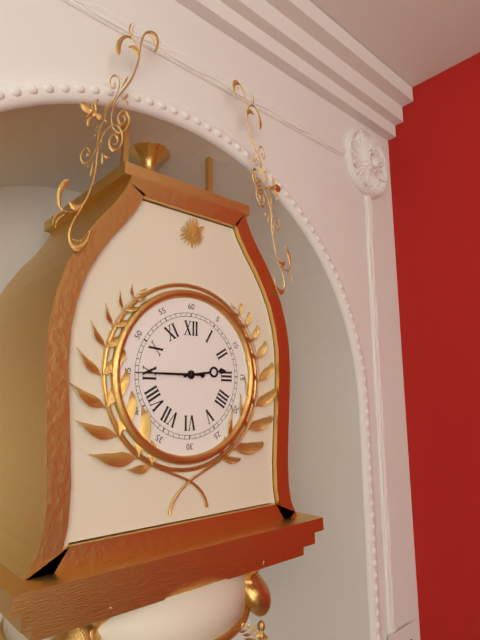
2:45
